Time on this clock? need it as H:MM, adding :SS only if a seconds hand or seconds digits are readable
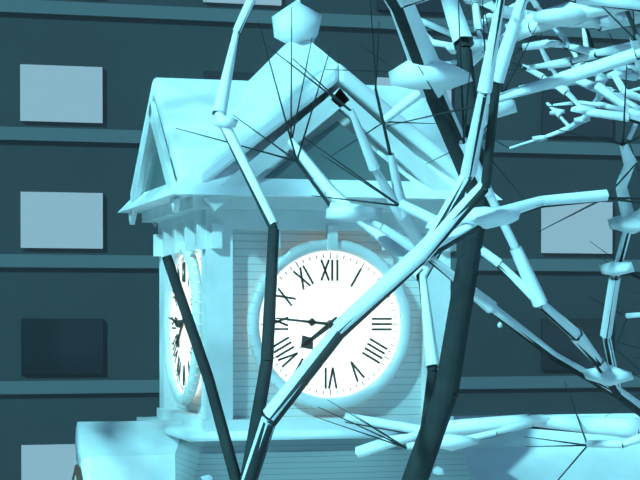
7:46
